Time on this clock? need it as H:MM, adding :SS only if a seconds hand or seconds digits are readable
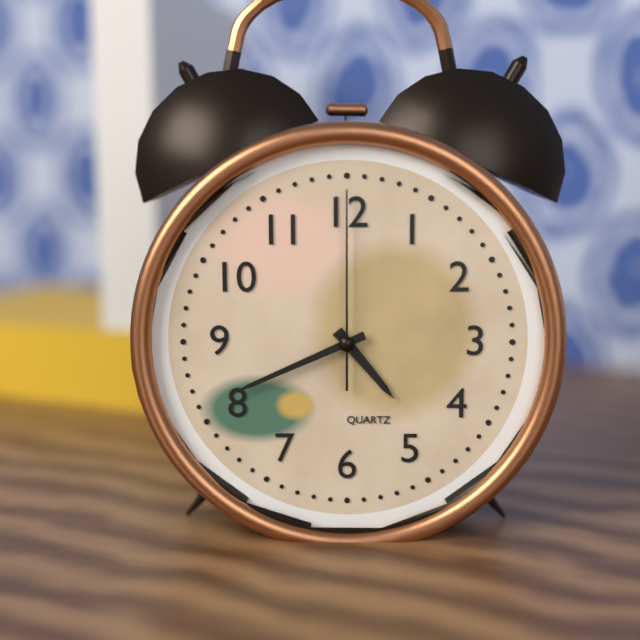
4:41:00
